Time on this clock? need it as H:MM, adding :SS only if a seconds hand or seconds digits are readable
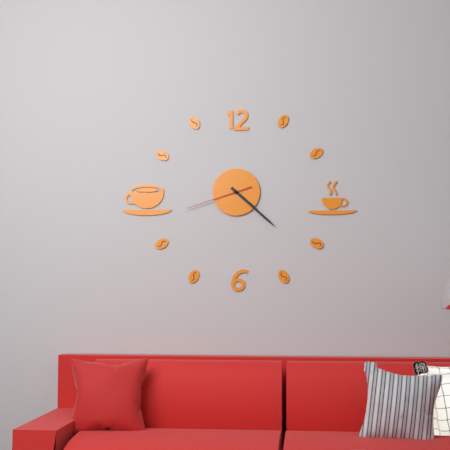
4:22:42
